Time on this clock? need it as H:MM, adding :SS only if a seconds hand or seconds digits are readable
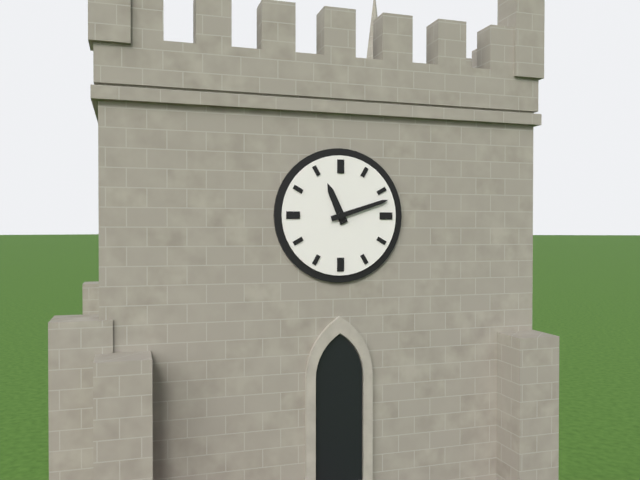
11:12
